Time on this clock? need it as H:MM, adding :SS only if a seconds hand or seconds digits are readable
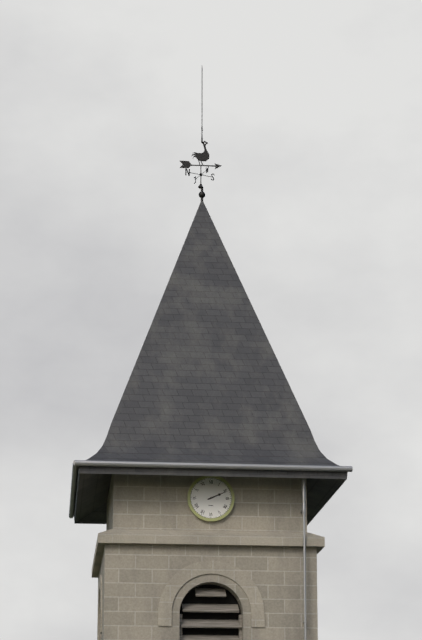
2:11
